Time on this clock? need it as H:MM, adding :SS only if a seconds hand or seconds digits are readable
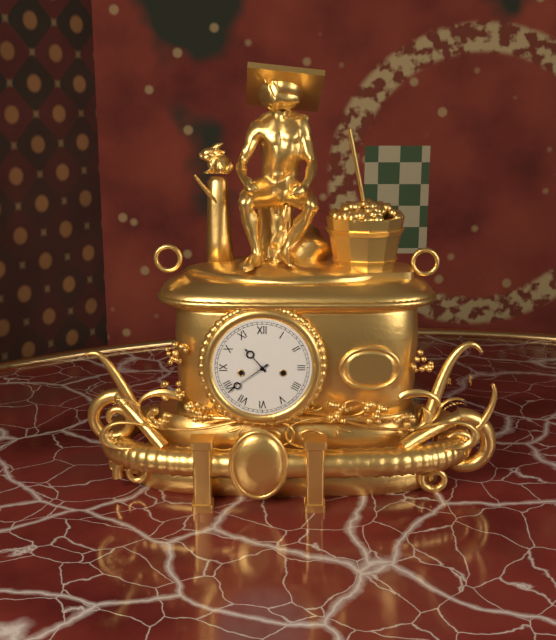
10:39
